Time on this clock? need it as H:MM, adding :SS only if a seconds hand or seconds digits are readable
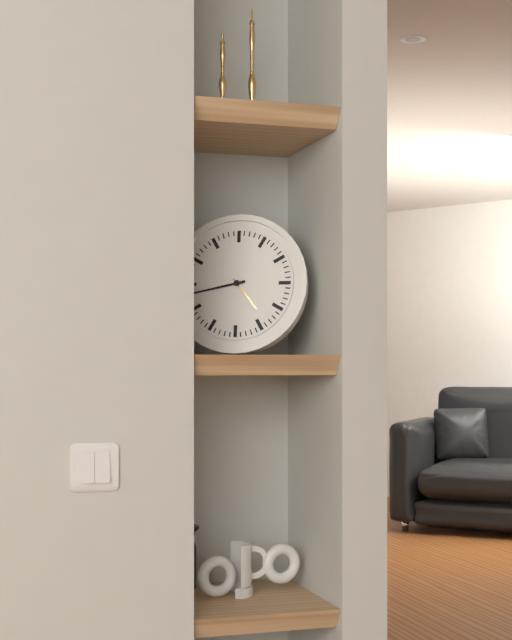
4:43
